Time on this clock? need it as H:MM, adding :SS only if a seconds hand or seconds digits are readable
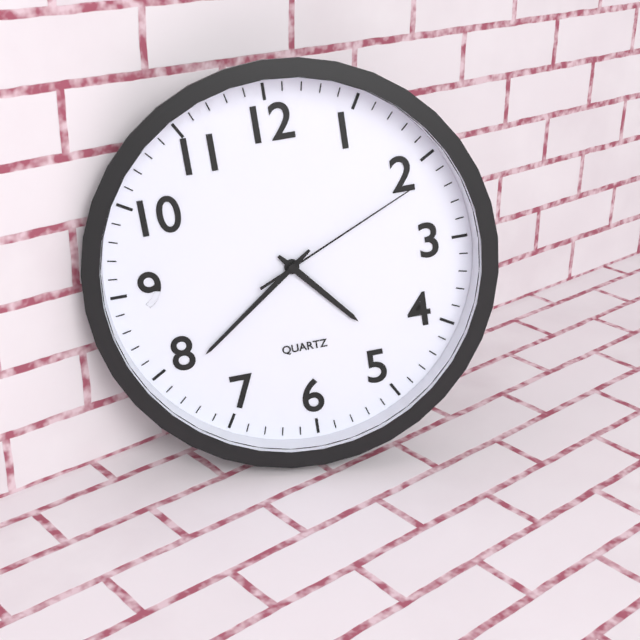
4:39:11
